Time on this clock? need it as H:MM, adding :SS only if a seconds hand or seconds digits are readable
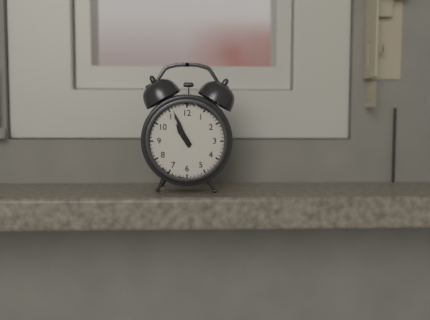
10:56
